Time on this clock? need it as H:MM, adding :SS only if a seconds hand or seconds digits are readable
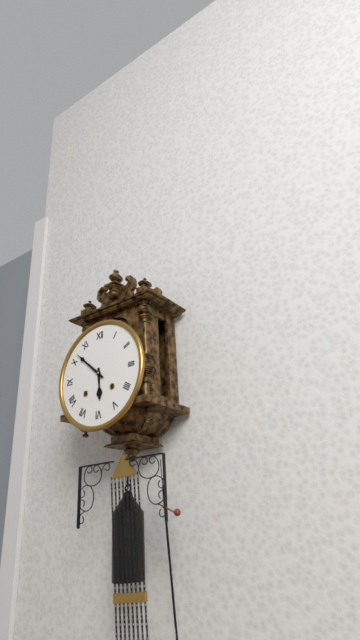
5:52
